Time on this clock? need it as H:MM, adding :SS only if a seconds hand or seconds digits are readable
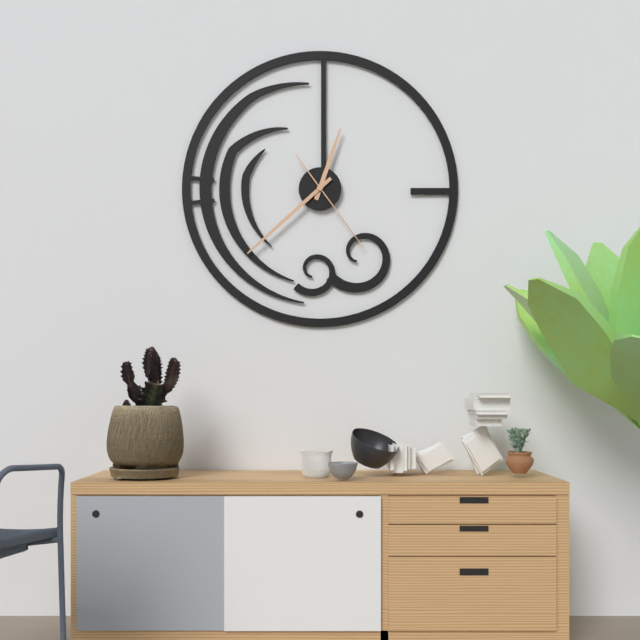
12:38:24
